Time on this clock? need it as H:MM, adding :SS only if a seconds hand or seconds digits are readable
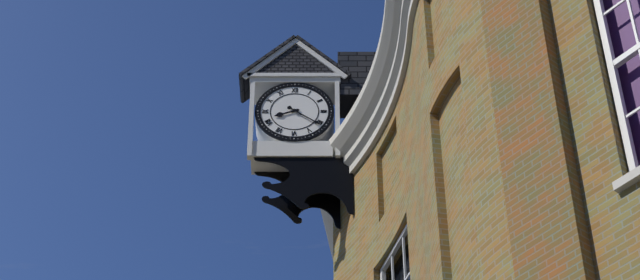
8:21
